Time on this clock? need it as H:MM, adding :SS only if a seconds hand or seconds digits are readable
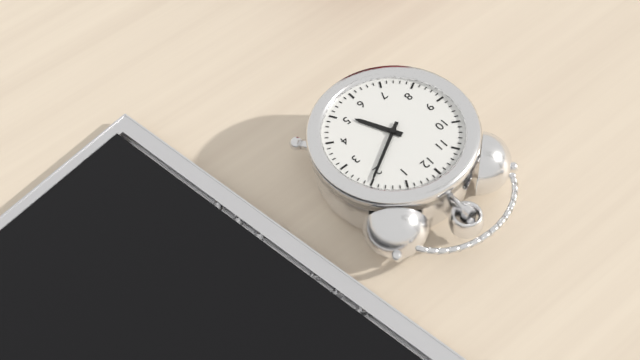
5:10
